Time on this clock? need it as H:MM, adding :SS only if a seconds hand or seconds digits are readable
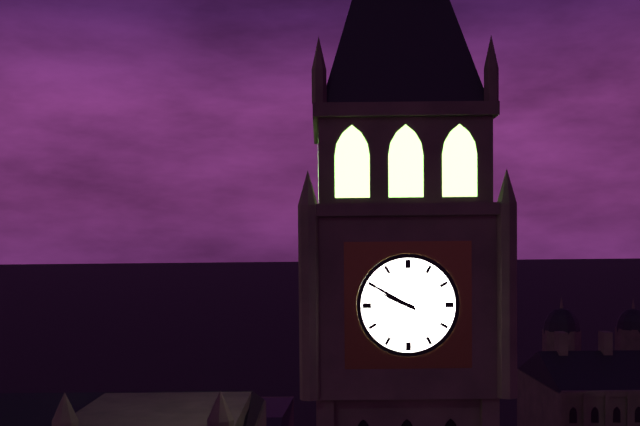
9:50
